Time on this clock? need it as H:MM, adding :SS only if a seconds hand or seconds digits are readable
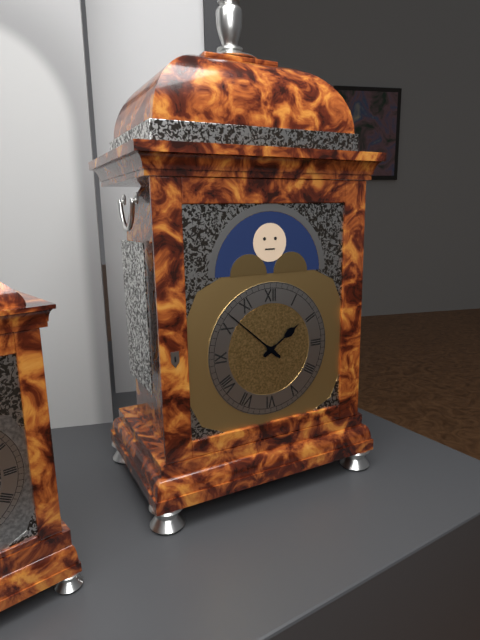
1:52
